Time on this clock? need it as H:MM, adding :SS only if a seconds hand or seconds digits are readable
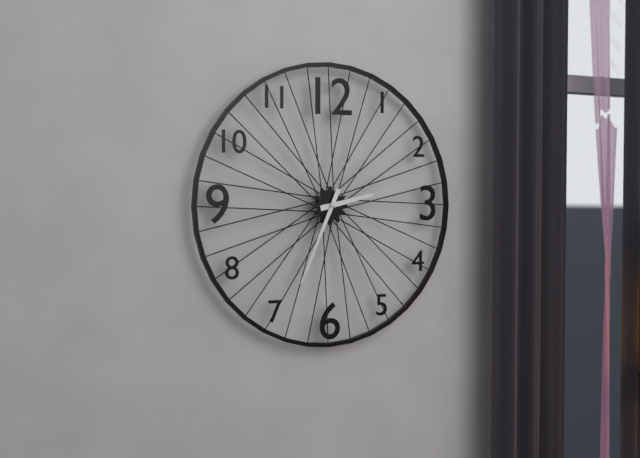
2:34
